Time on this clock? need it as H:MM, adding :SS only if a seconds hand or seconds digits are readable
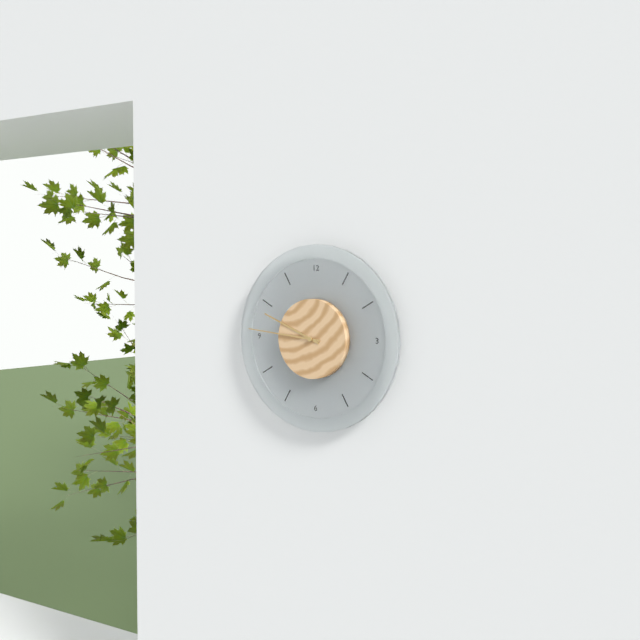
9:46
